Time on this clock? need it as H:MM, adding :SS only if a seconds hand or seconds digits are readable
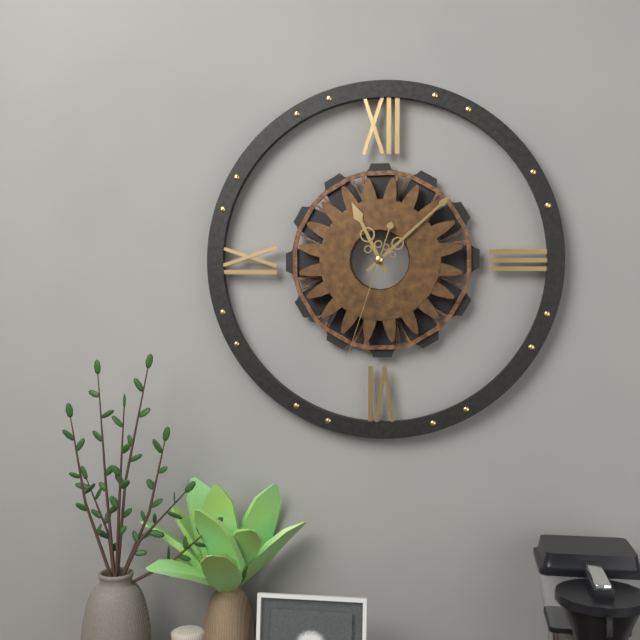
11:08:33
